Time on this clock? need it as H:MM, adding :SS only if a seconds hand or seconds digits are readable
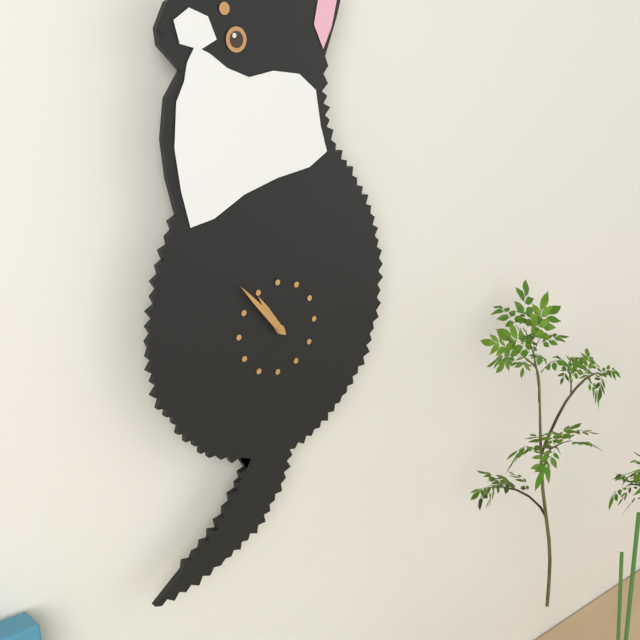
10:53
